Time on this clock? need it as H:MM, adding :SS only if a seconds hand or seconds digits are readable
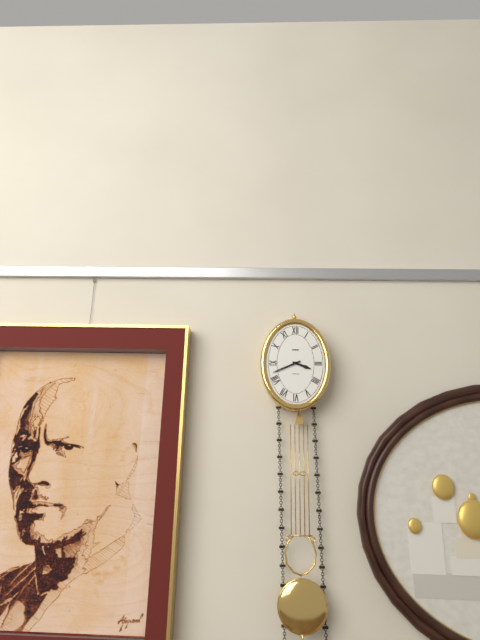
3:41
